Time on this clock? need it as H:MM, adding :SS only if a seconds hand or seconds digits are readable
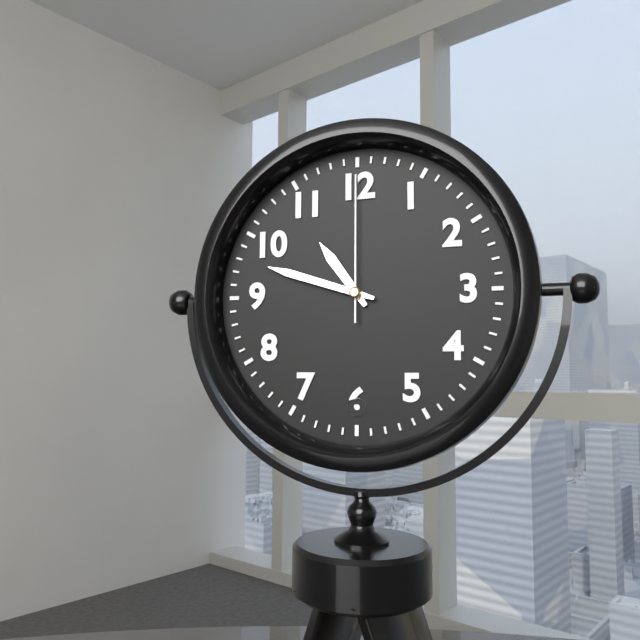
10:48:00
